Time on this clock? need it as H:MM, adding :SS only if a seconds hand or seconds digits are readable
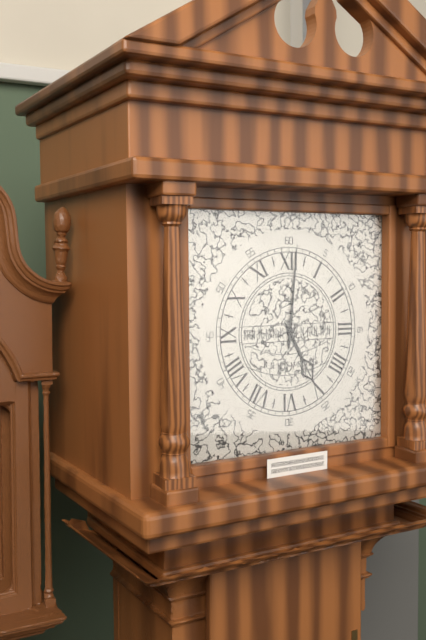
5:01
